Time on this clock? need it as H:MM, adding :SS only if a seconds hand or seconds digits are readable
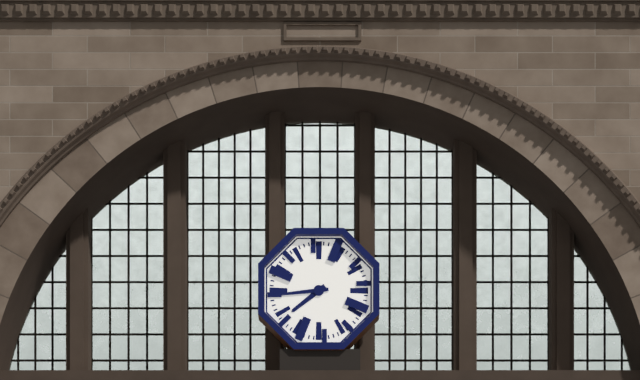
7:44
